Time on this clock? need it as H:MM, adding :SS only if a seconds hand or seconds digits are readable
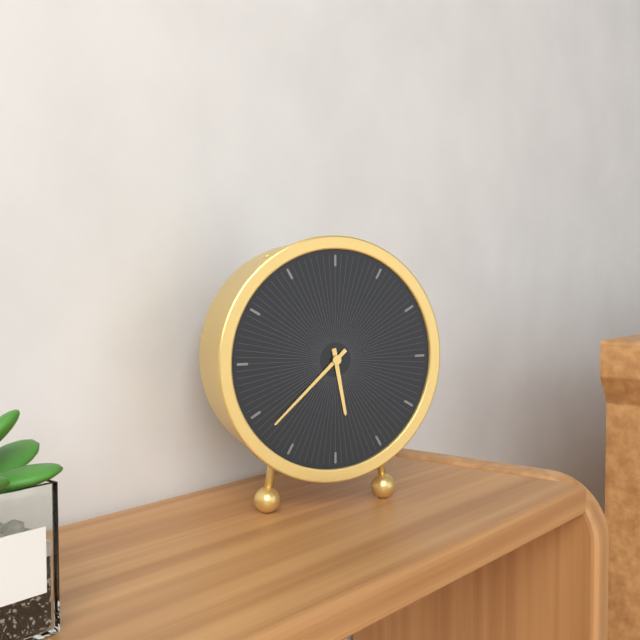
5:38
